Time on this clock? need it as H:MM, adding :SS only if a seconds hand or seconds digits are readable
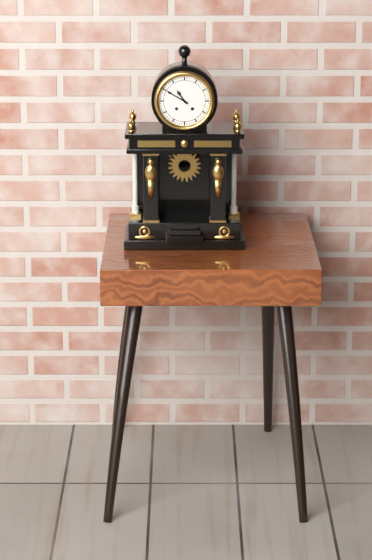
10:50
